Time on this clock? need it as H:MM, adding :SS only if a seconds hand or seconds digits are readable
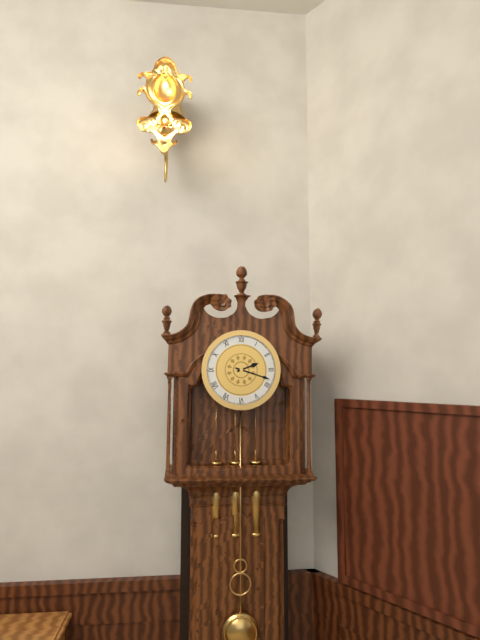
2:18
